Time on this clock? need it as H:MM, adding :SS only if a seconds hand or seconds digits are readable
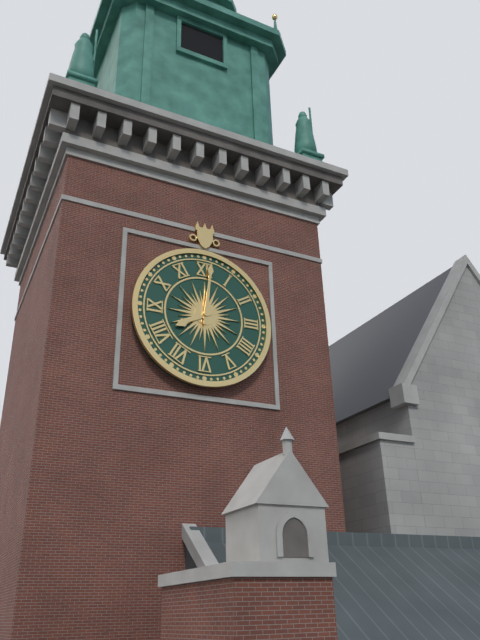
8:01
